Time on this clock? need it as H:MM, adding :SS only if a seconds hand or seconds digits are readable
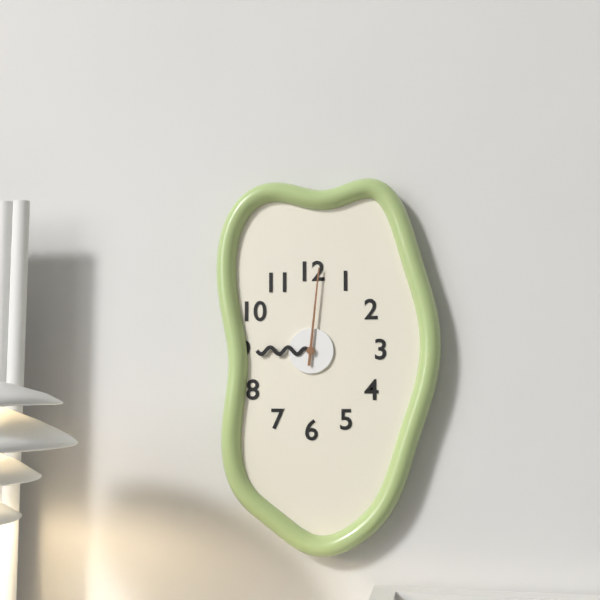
9:01
